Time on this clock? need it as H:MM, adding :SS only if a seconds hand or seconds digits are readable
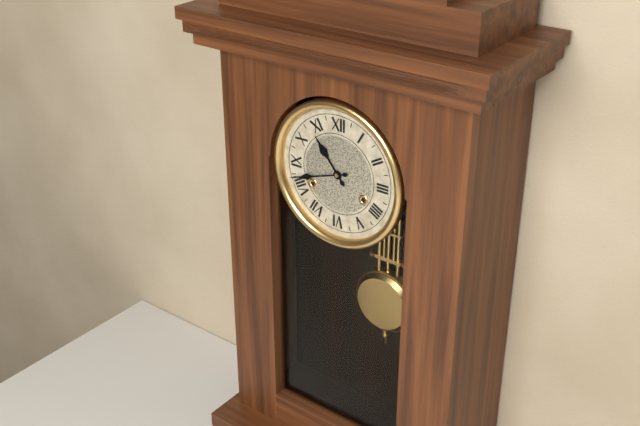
10:42
